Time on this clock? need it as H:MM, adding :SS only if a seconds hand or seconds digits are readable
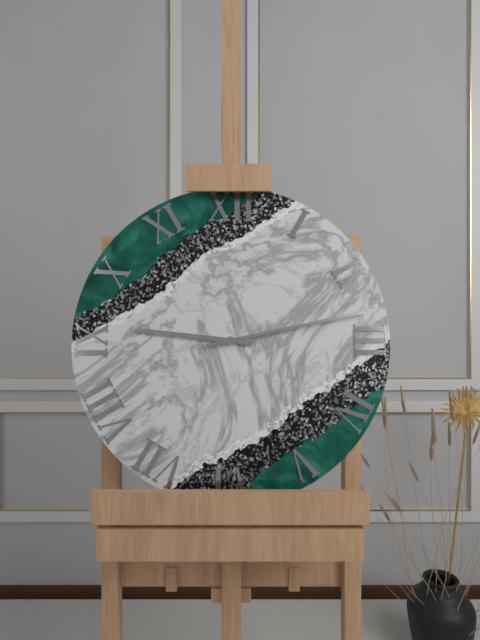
9:13
